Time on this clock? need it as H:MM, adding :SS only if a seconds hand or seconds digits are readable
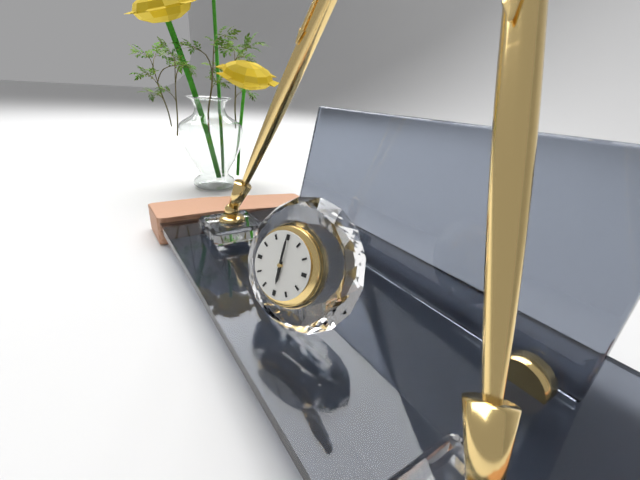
6:00
